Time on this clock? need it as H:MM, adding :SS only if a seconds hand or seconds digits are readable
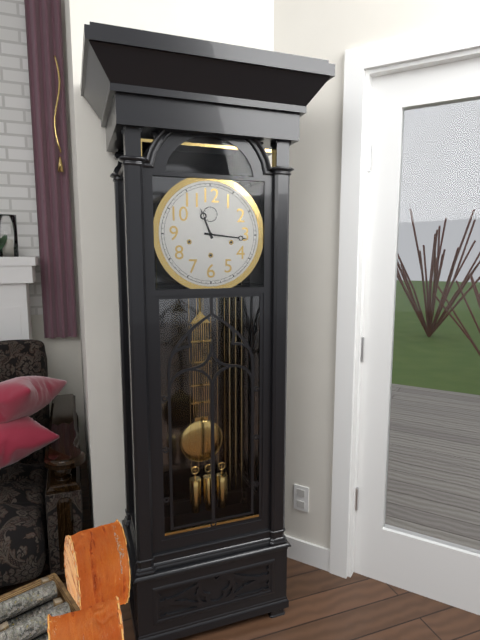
11:16
